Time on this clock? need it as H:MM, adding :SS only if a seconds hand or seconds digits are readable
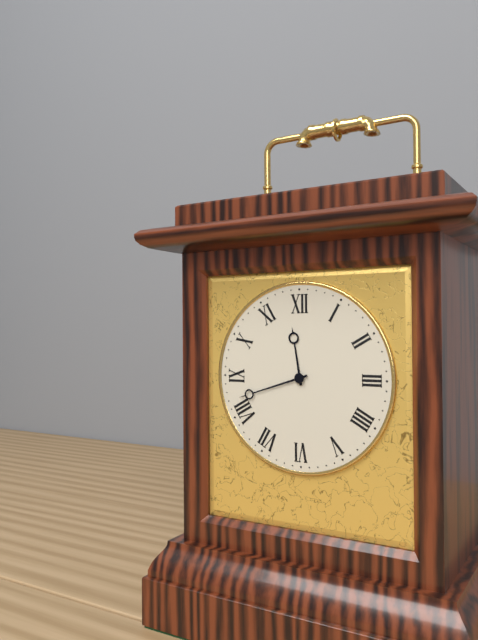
11:42
